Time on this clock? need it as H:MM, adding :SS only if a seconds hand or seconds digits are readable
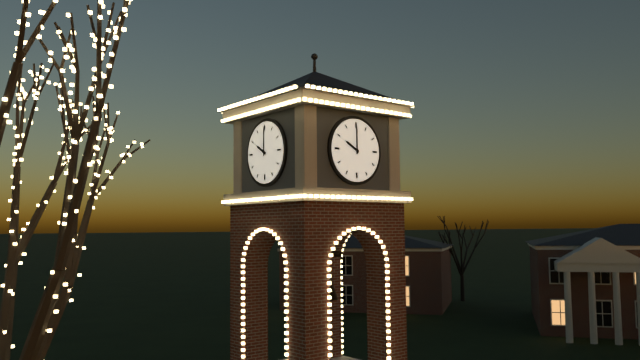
10:00
